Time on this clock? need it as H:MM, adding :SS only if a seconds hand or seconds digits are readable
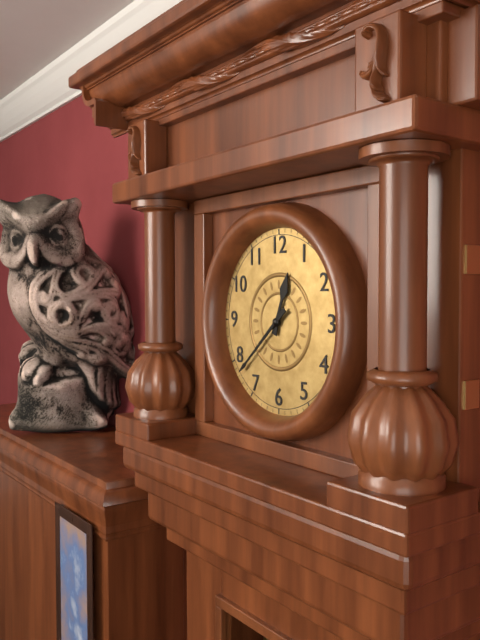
12:38
